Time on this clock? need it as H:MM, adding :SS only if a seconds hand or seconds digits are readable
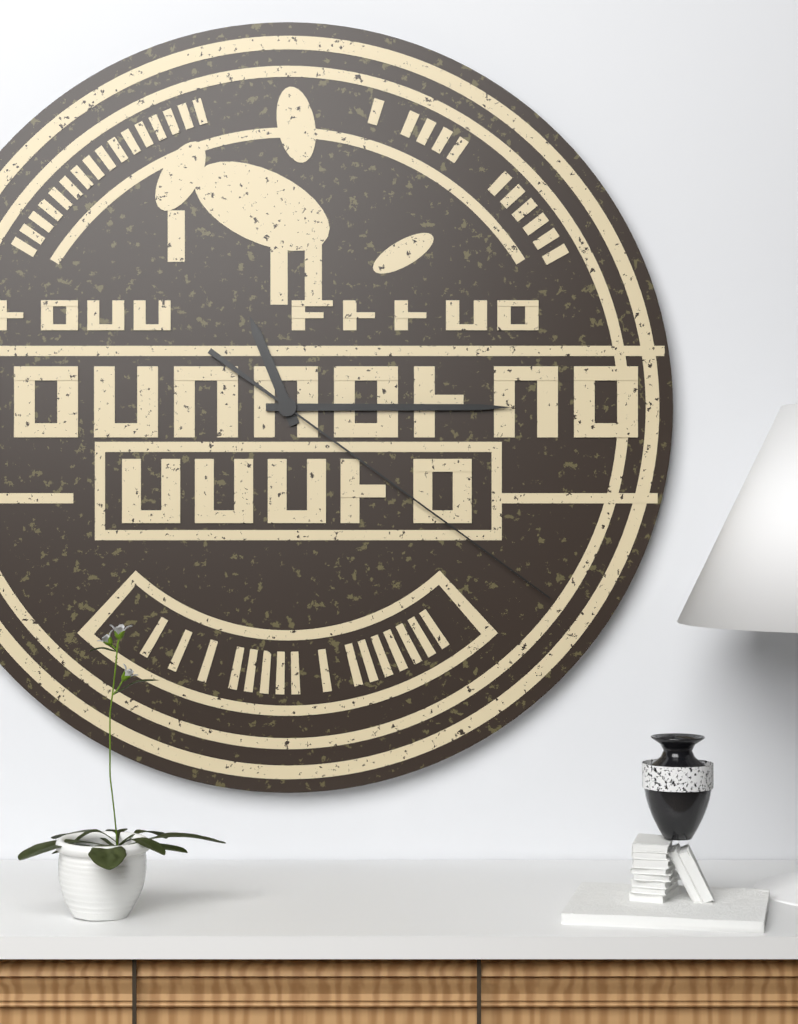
11:15:21
